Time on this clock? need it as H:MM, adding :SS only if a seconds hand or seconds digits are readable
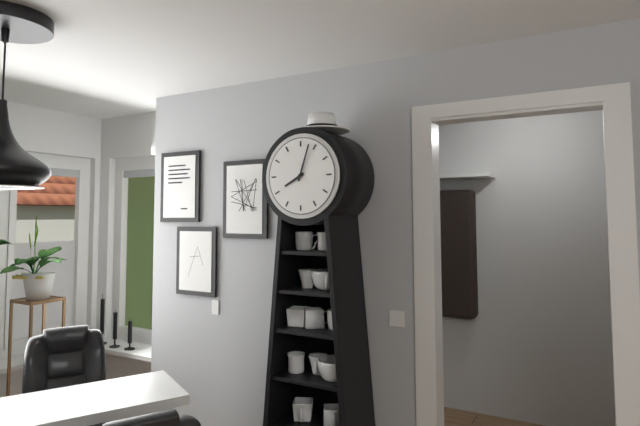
8:03
